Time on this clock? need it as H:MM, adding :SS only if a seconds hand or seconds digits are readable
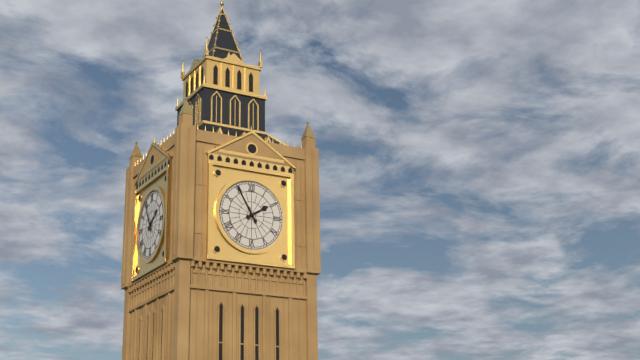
1:55
